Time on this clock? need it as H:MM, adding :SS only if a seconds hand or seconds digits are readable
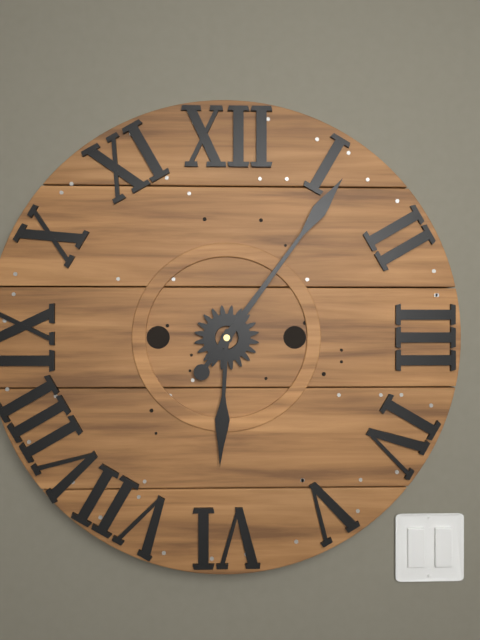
6:06
